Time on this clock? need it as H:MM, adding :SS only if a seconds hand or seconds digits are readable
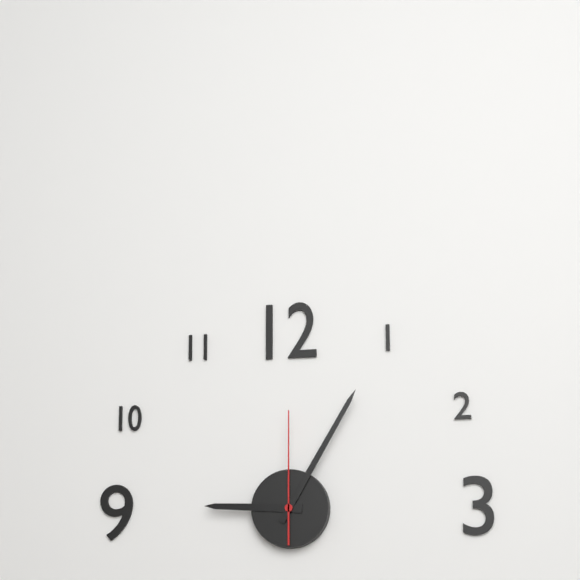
9:05:00
